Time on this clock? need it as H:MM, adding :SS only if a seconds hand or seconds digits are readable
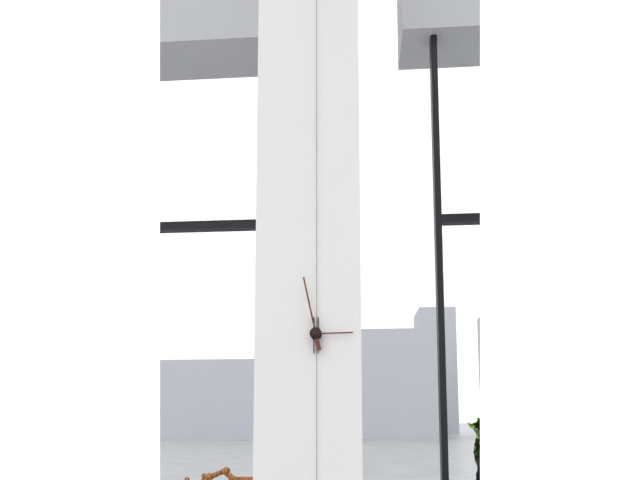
2:58
